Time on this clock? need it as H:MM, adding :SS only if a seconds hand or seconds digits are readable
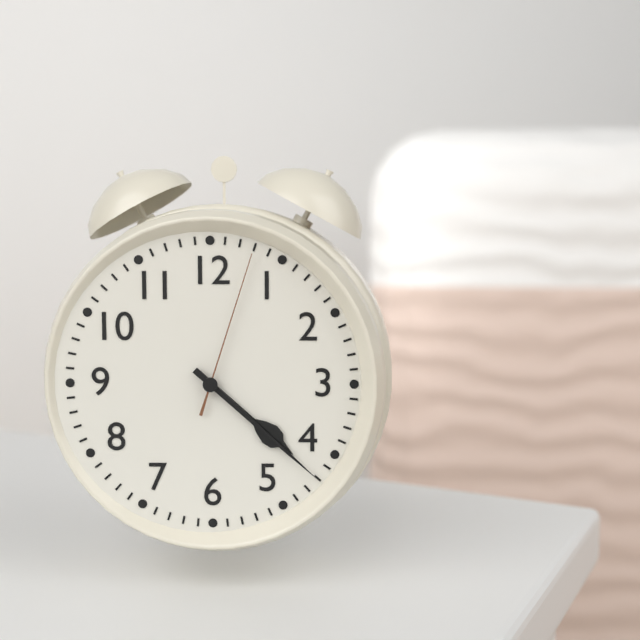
4:22:03
